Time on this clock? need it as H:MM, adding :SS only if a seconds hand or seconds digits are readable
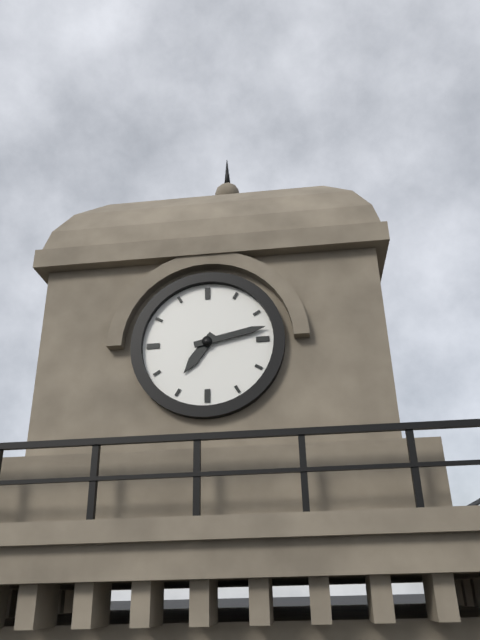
7:13
